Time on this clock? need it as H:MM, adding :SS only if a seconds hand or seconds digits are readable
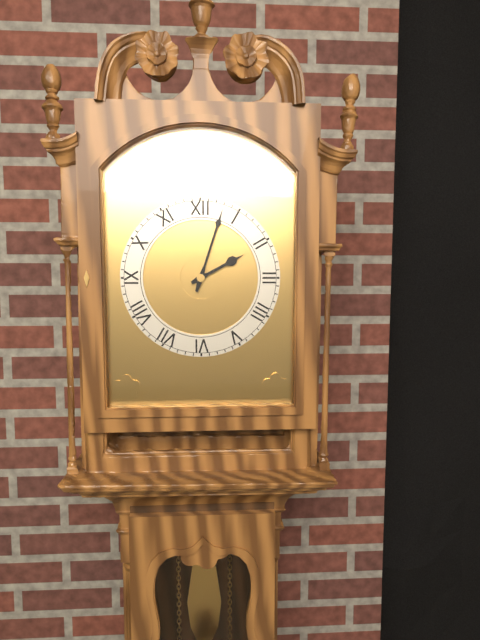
2:03
